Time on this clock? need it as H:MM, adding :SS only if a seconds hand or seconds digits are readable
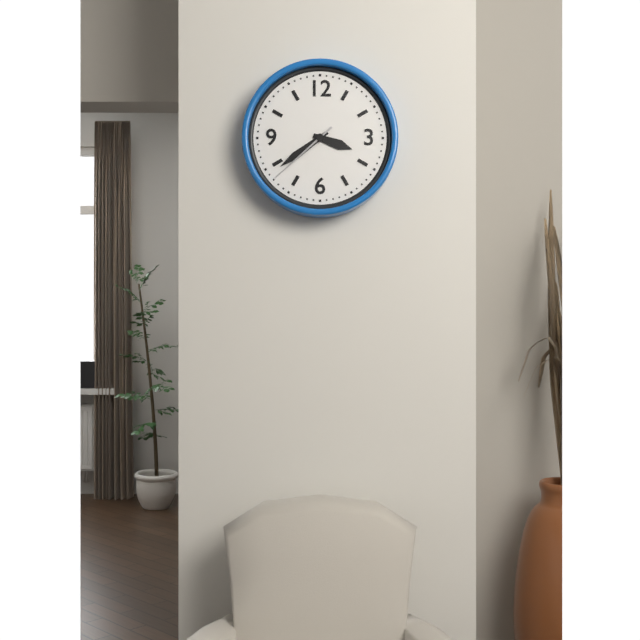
3:39:38
